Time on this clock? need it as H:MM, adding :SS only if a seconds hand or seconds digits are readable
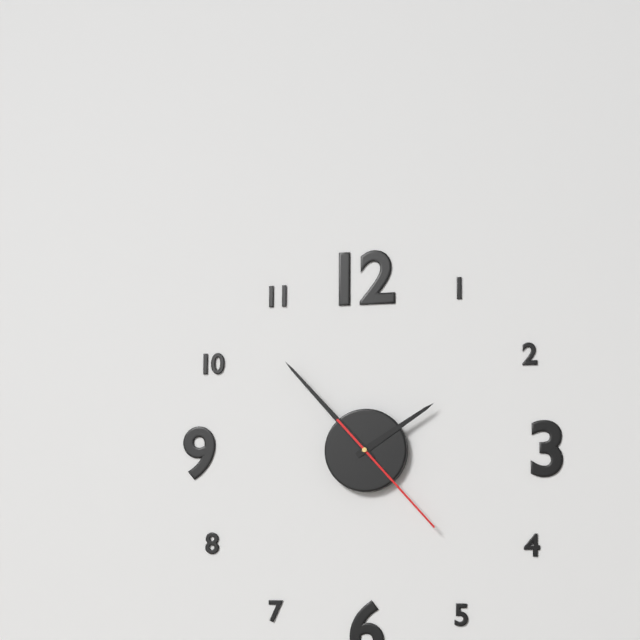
1:53:23
